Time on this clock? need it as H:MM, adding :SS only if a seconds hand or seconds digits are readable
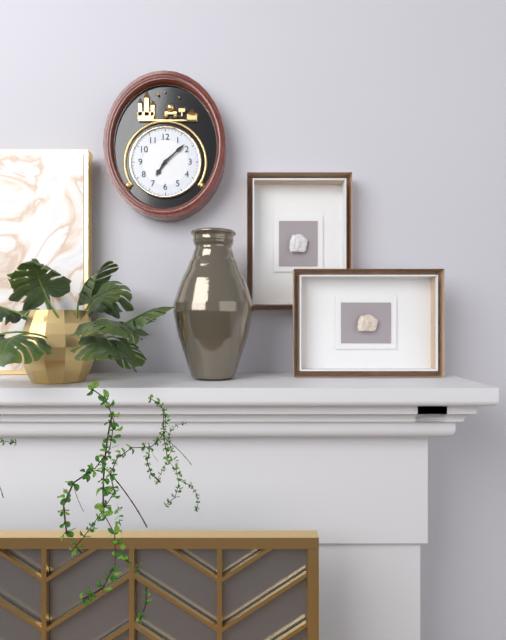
7:08
